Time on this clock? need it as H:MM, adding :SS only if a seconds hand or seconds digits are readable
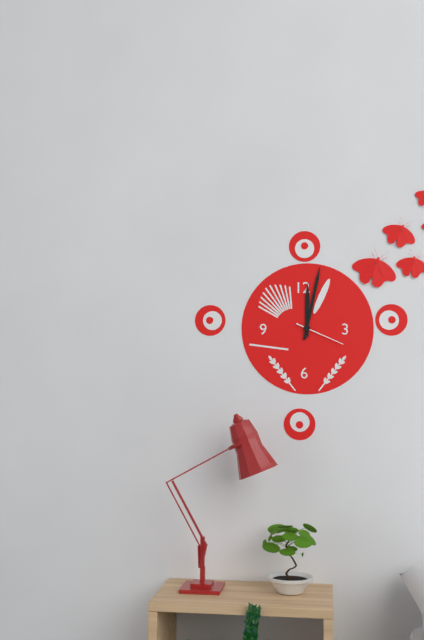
12:02
